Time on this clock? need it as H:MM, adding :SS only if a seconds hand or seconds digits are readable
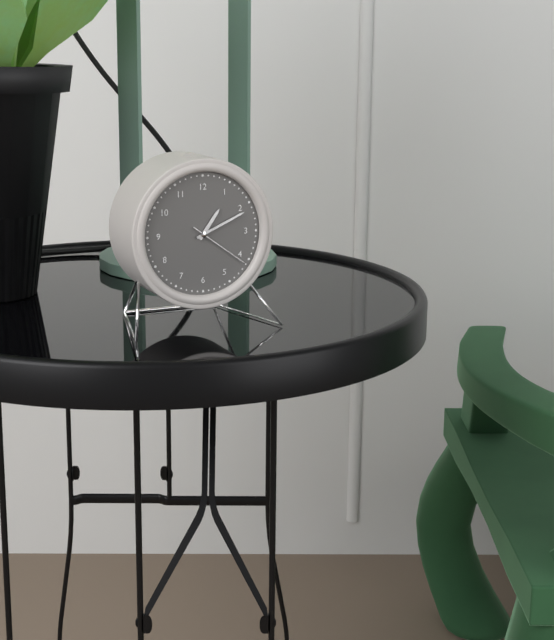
1:11:21
